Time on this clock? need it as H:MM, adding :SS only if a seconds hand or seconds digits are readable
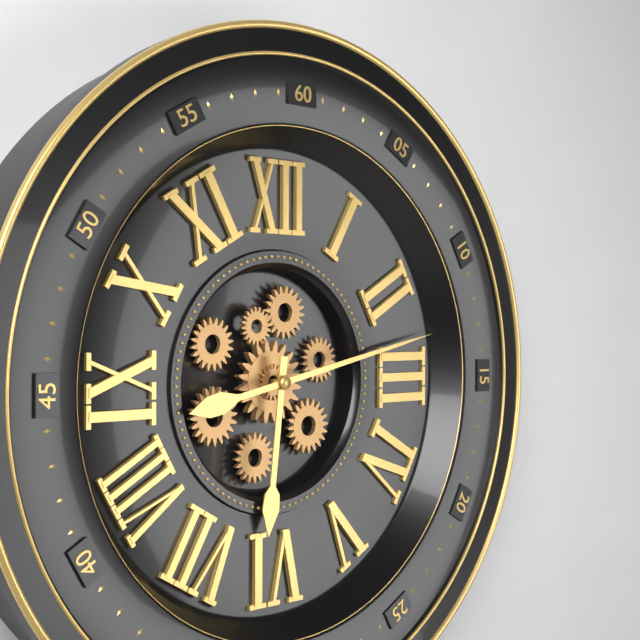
6:13
